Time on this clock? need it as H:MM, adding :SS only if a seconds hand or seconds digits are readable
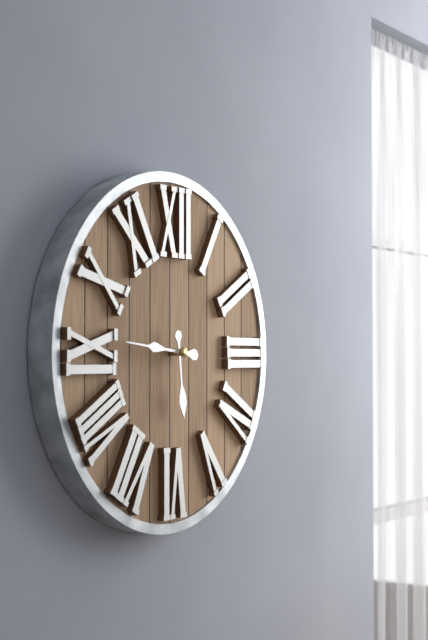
5:46
